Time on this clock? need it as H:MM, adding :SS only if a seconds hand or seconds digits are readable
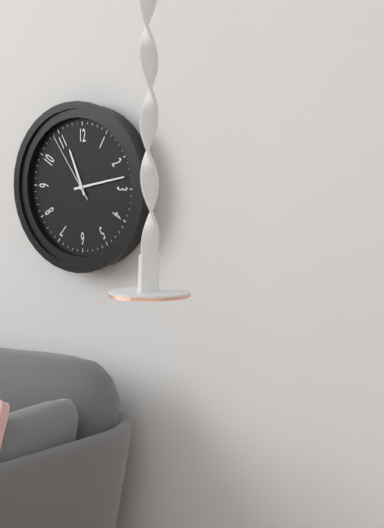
11:13:54
